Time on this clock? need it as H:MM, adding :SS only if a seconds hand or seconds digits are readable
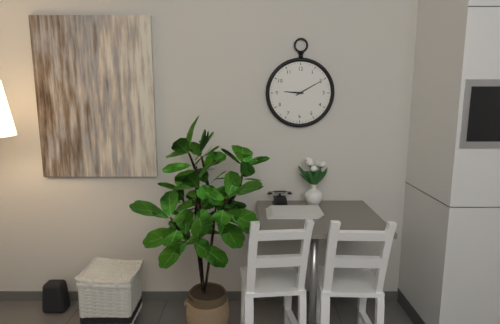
9:10
